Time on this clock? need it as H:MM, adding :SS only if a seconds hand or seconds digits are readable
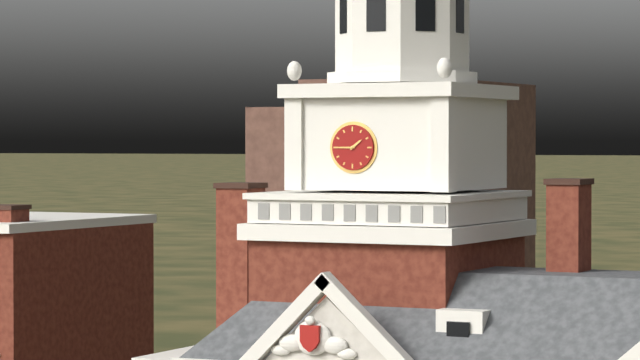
1:45
